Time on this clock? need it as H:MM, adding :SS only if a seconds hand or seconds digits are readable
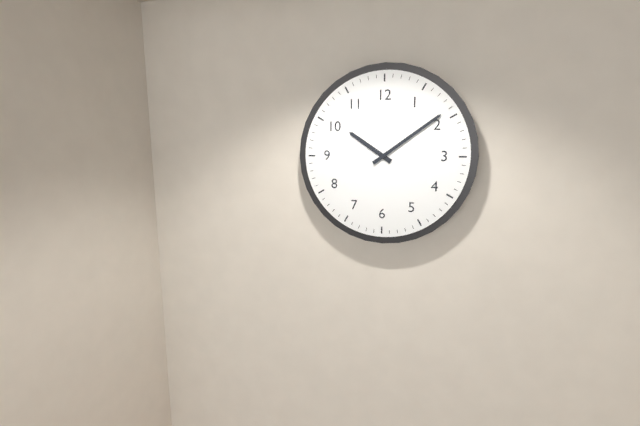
10:09
